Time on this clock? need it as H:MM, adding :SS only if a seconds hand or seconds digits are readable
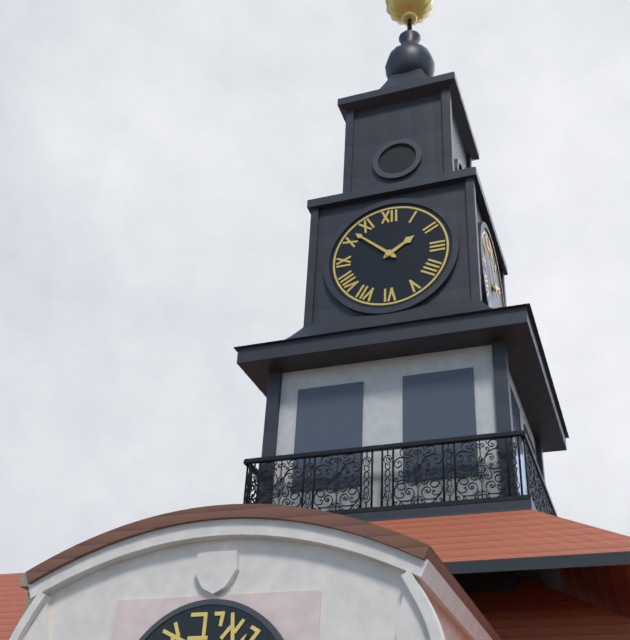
1:52
